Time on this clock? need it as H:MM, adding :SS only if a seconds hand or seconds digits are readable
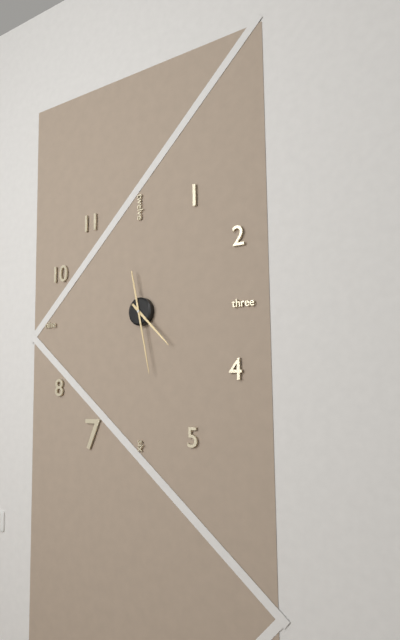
4:28
